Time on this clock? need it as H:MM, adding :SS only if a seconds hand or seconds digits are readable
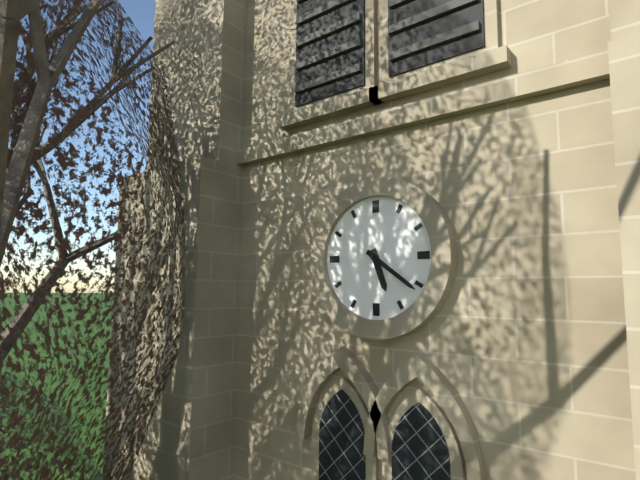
5:21
